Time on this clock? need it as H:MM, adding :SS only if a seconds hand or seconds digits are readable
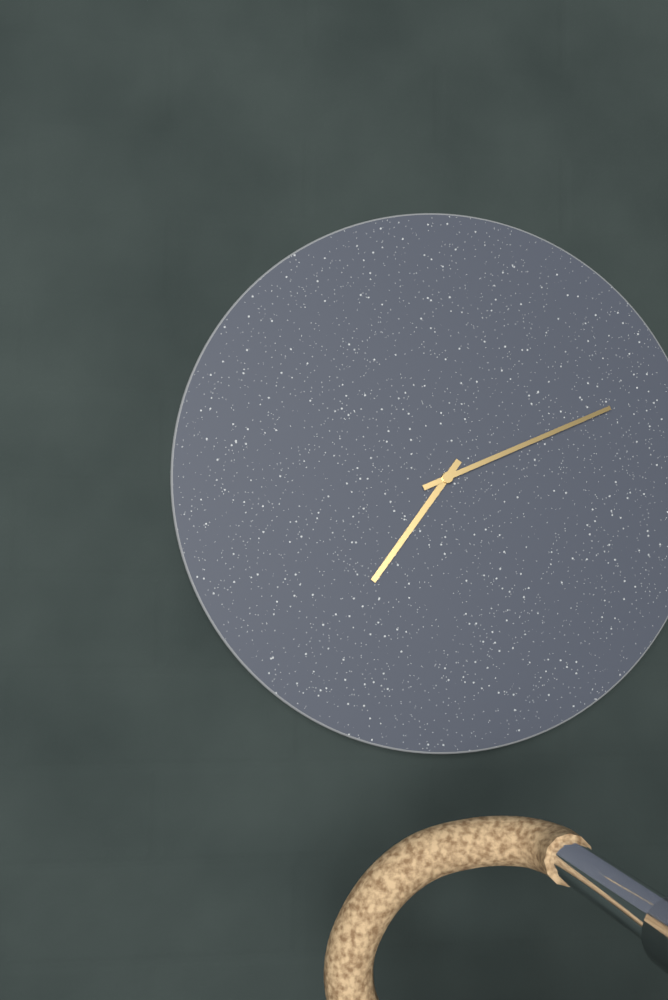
7:11
